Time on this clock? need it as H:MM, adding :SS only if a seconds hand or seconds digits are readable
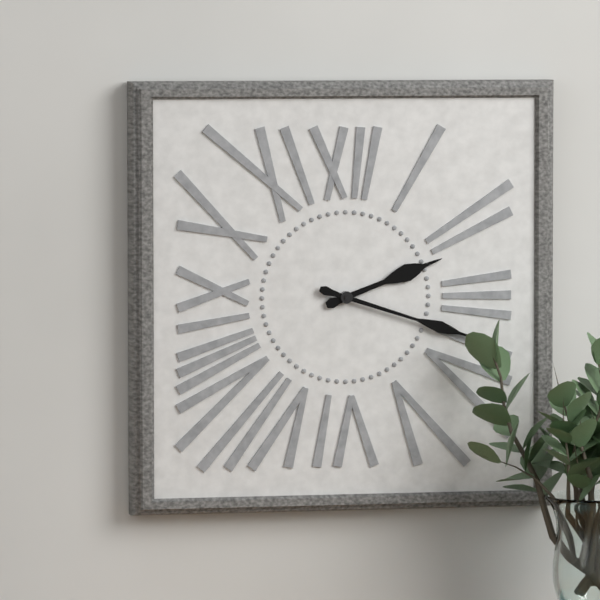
2:18
